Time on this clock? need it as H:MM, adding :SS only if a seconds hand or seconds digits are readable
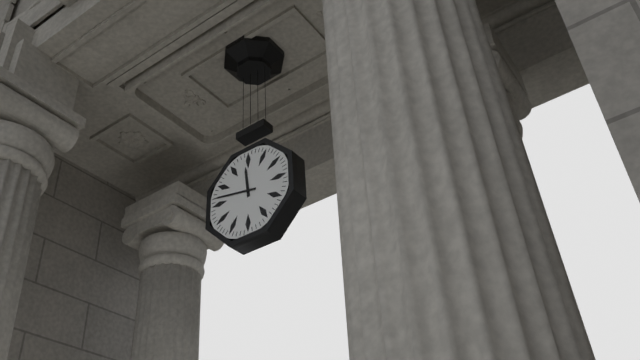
11:47
